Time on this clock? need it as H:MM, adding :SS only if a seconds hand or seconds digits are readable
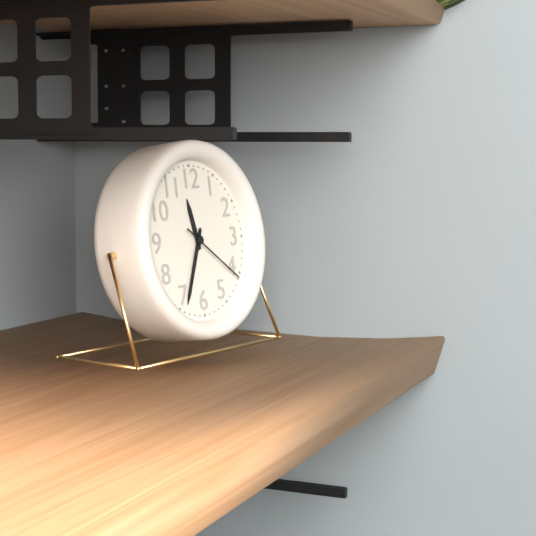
11:34:21
